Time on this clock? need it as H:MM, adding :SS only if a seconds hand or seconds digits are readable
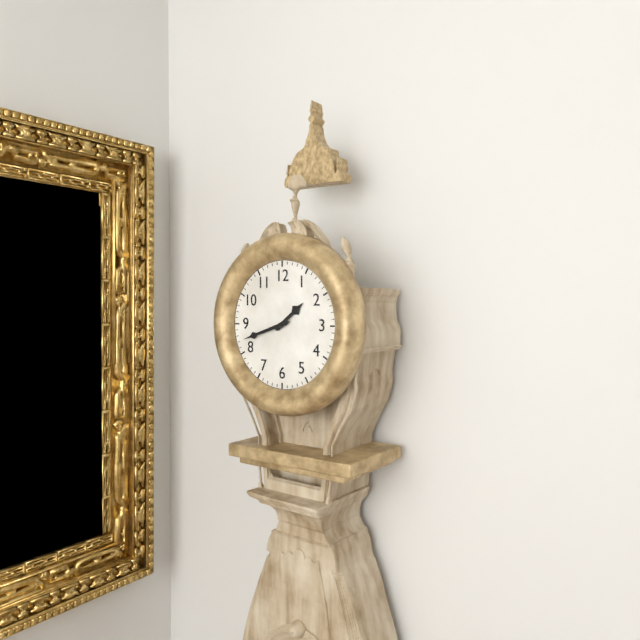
1:42
